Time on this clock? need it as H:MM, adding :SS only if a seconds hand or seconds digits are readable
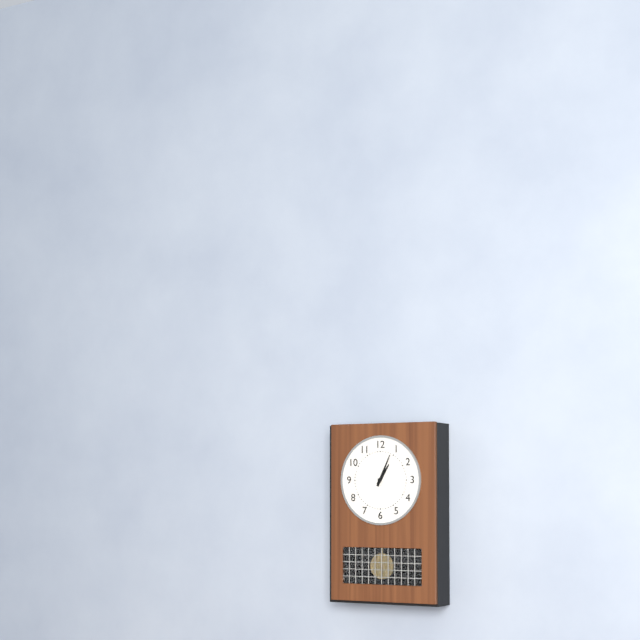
1:04
